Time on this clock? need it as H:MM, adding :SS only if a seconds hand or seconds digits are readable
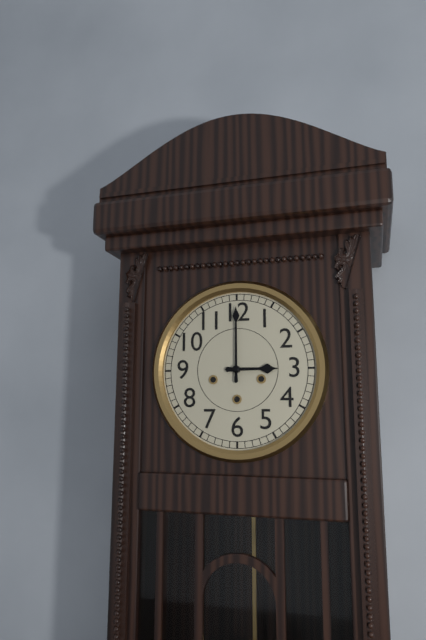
3:00
